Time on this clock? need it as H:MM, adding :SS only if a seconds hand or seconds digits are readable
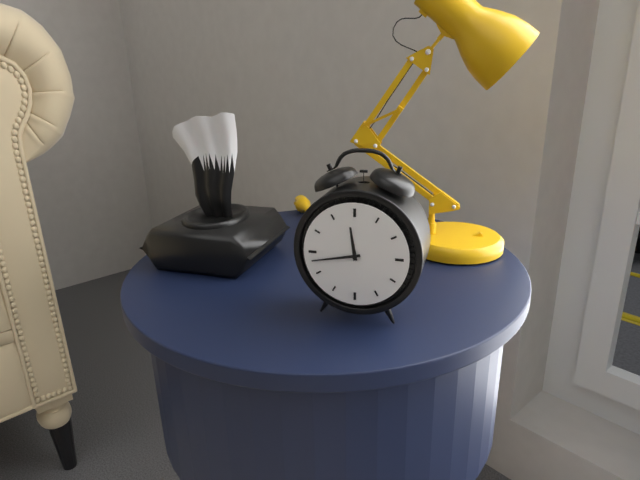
11:43
